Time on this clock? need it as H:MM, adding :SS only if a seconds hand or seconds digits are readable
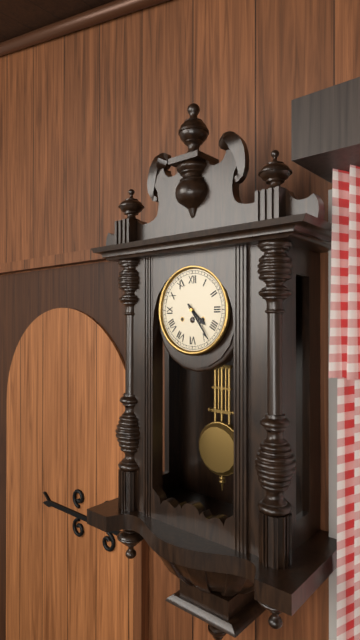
4:24
